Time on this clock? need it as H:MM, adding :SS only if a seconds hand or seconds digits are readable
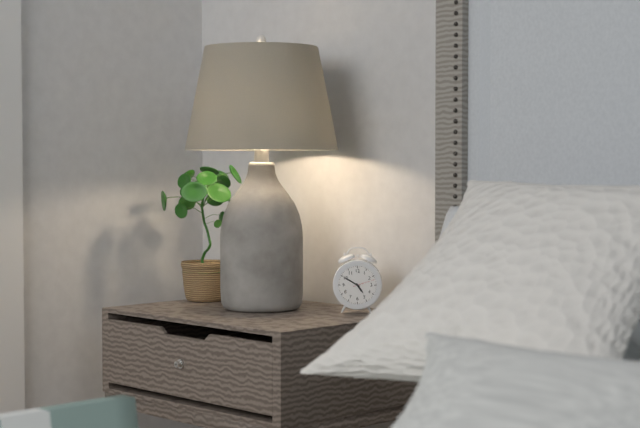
4:50
